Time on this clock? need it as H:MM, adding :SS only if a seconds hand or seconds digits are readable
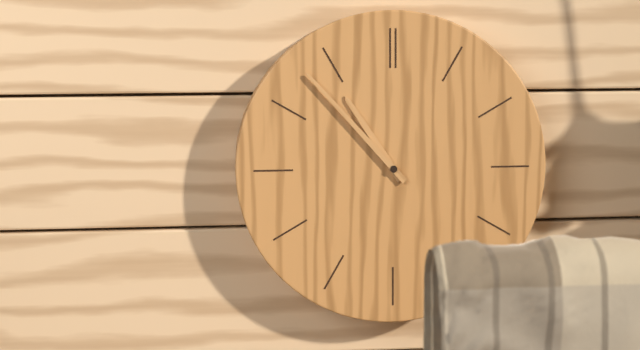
10:53
